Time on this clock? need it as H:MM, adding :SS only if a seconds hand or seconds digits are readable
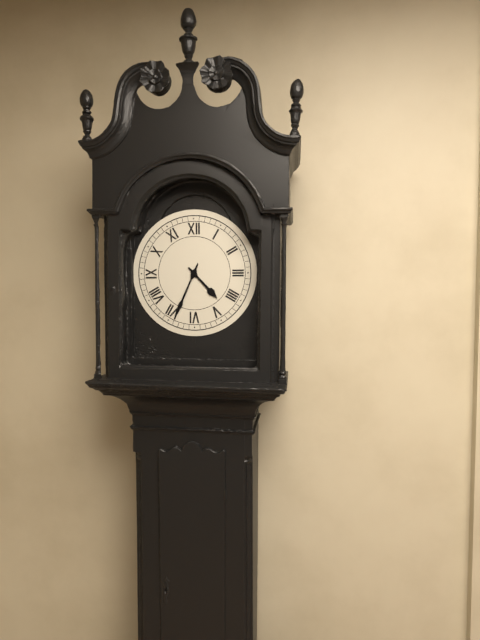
4:34
